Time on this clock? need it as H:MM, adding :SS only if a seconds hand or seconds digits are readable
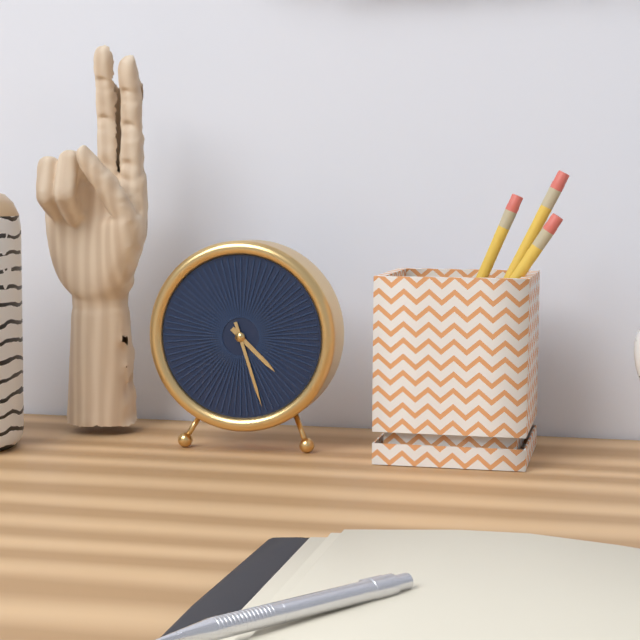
4:27
